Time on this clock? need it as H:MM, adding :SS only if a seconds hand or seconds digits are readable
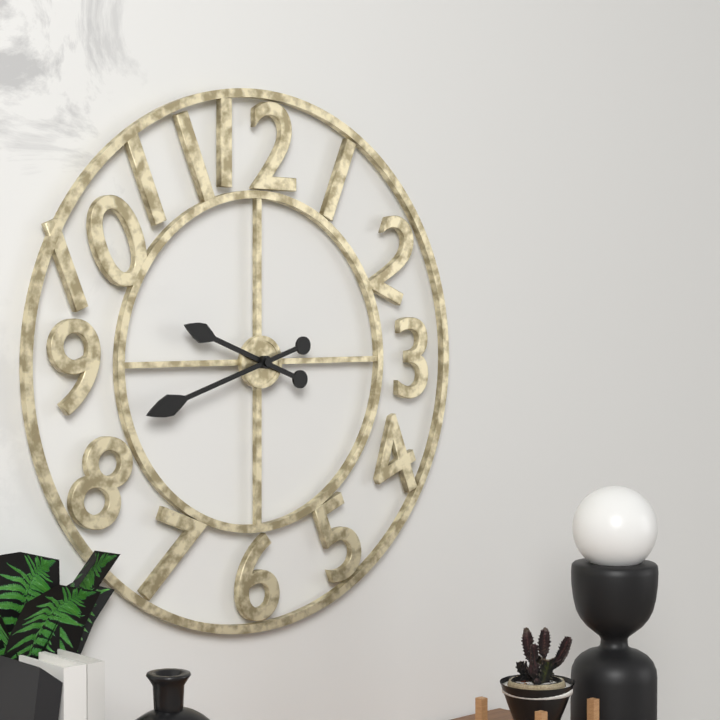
9:42
